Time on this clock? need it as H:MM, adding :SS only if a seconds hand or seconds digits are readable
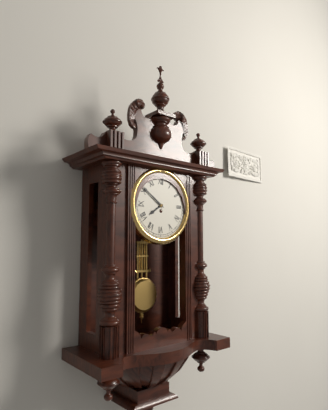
7:51
